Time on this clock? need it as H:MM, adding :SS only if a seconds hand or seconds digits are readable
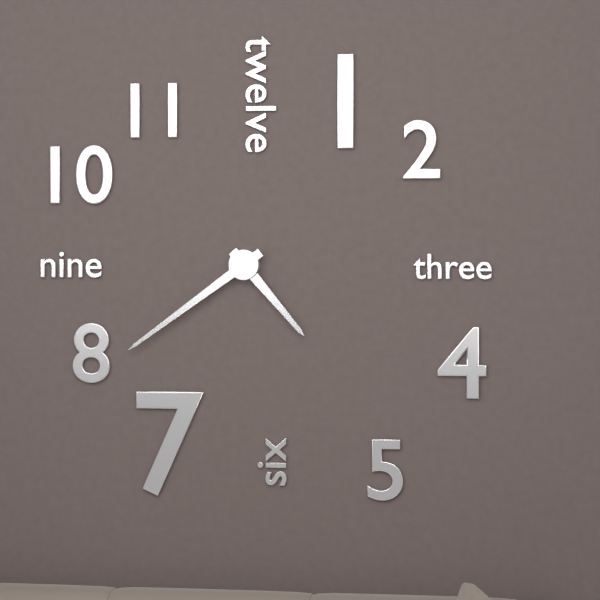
4:39
